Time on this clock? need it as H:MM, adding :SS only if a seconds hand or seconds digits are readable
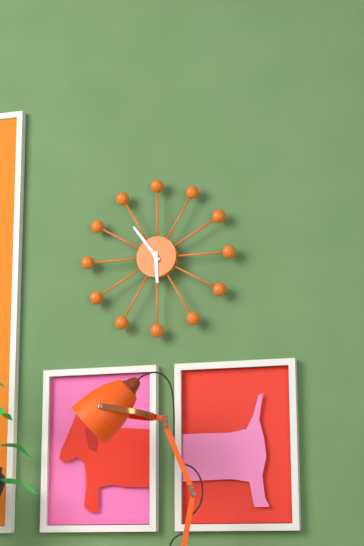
5:54
